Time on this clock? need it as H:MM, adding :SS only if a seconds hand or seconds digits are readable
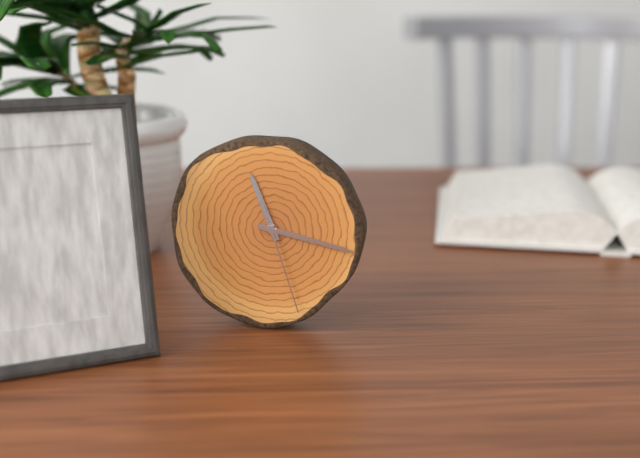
11:17:27
